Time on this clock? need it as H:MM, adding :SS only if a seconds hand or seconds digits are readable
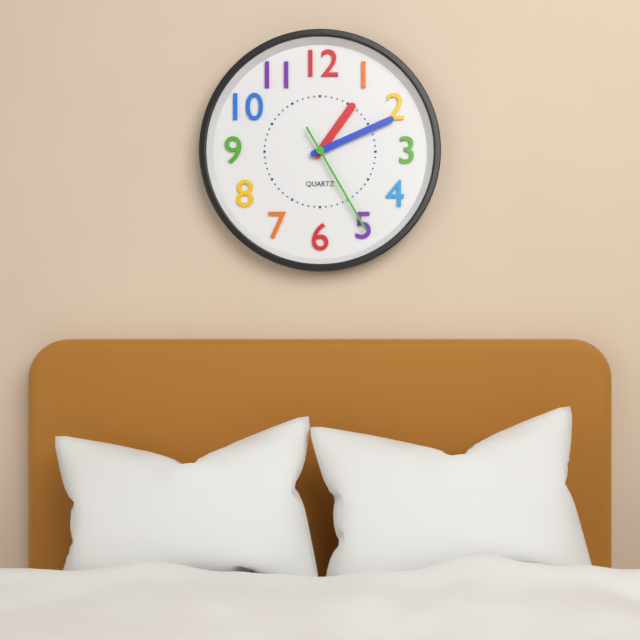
1:11:25
